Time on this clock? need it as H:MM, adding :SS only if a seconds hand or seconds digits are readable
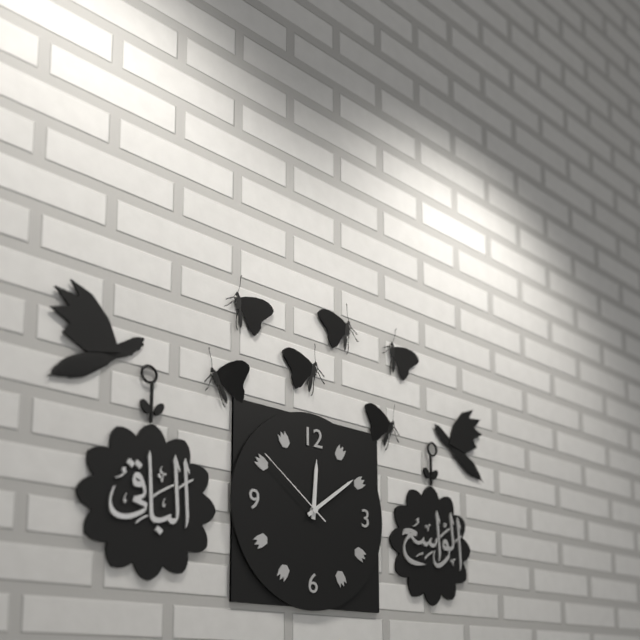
12:09:51
